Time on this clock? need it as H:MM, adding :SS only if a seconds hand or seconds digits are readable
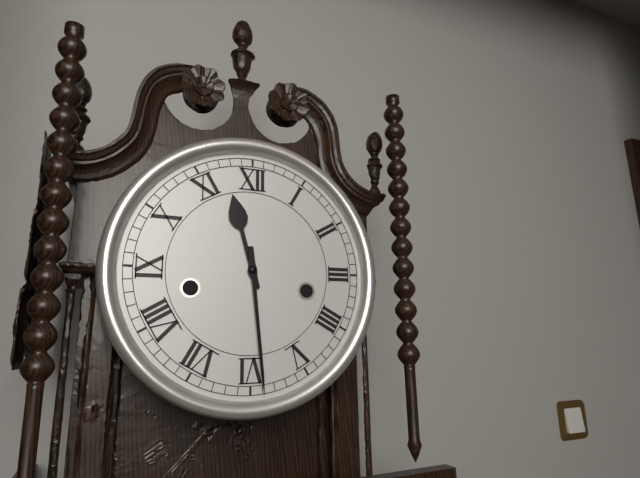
11:29
